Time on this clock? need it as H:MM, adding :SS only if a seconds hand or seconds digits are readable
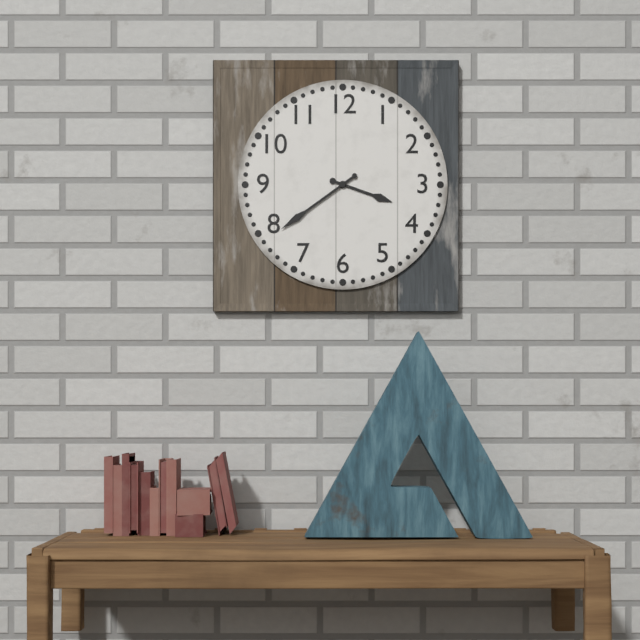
3:39
